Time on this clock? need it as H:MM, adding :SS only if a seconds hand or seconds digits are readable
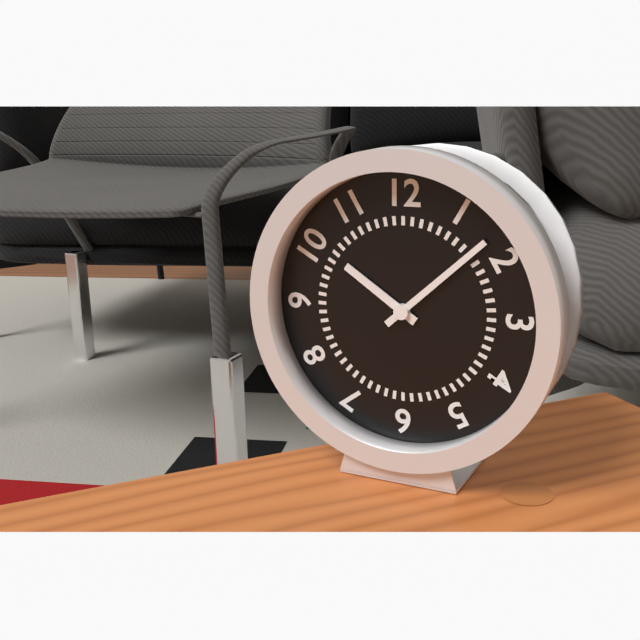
10:08
